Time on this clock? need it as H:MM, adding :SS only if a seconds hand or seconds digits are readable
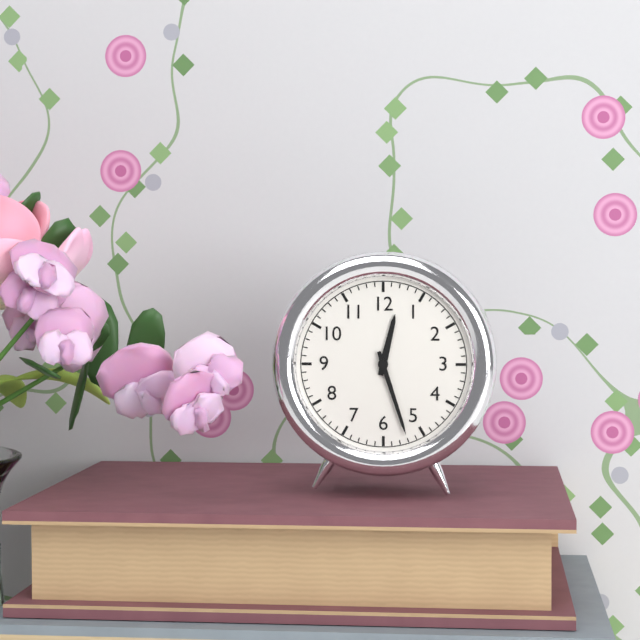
12:27
